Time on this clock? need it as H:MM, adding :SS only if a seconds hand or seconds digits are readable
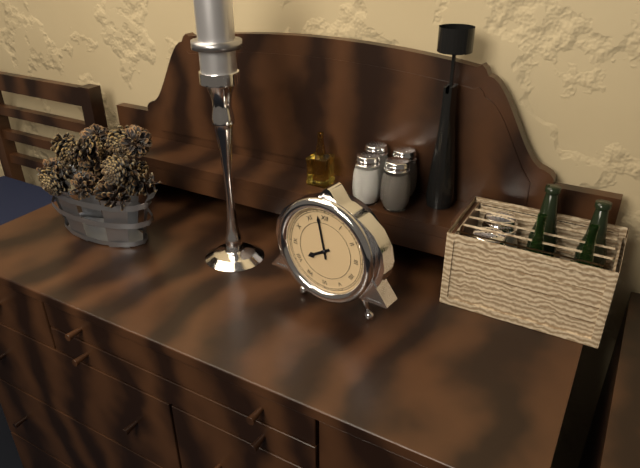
7:58
